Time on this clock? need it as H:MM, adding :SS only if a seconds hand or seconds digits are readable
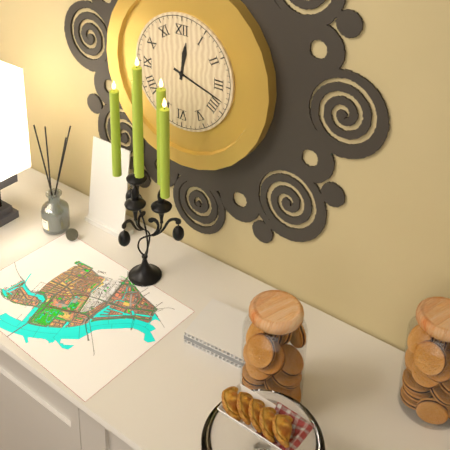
12:18
